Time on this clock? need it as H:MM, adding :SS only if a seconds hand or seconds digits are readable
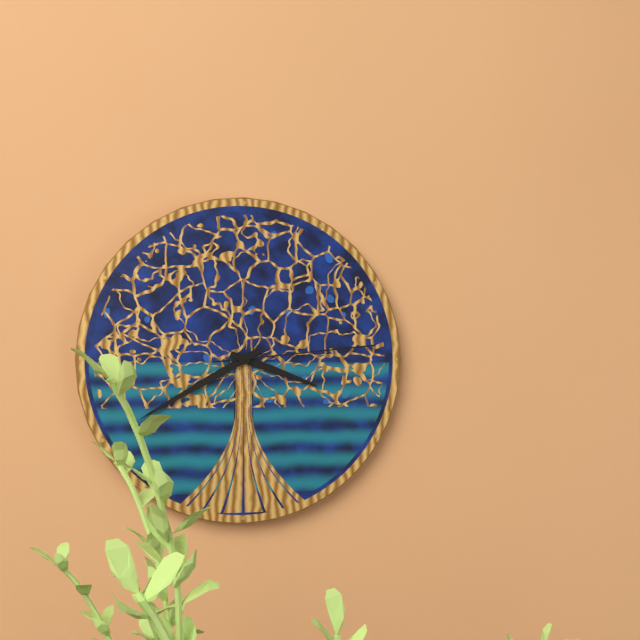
3:40:14
